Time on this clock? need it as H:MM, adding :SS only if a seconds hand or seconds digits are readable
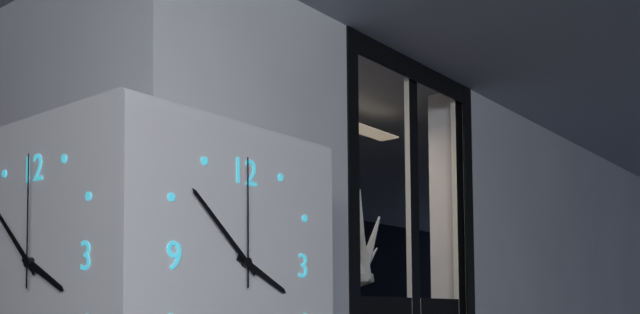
3:52:00
